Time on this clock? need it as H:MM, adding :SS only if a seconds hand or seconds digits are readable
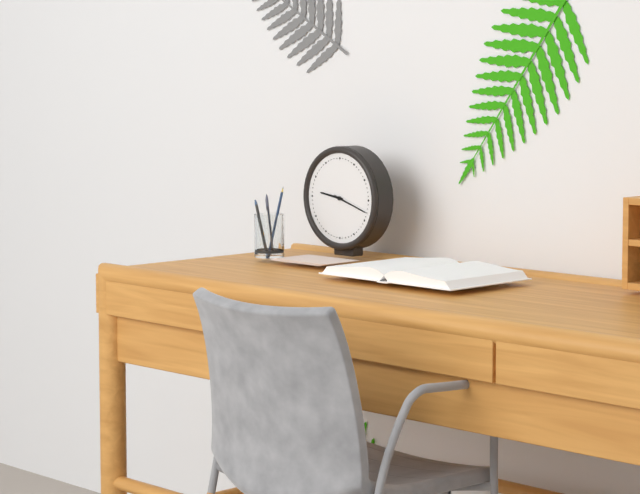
9:18
